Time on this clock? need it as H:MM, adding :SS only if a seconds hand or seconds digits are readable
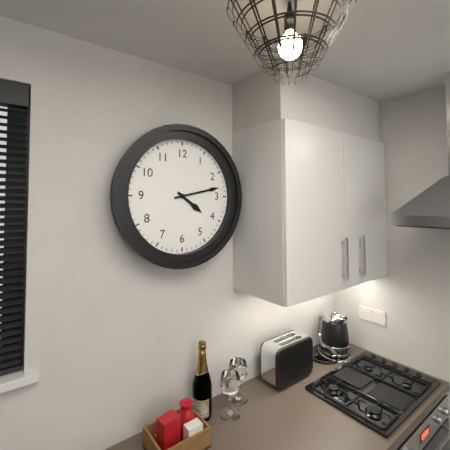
4:13
